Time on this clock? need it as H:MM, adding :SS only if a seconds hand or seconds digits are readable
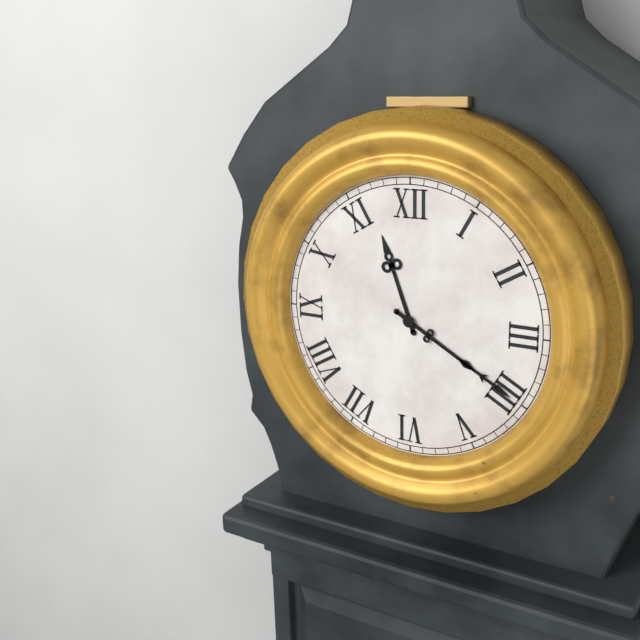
11:20
